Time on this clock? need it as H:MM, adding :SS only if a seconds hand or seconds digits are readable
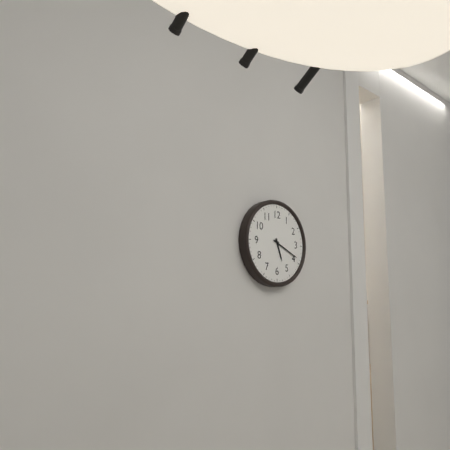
5:19
